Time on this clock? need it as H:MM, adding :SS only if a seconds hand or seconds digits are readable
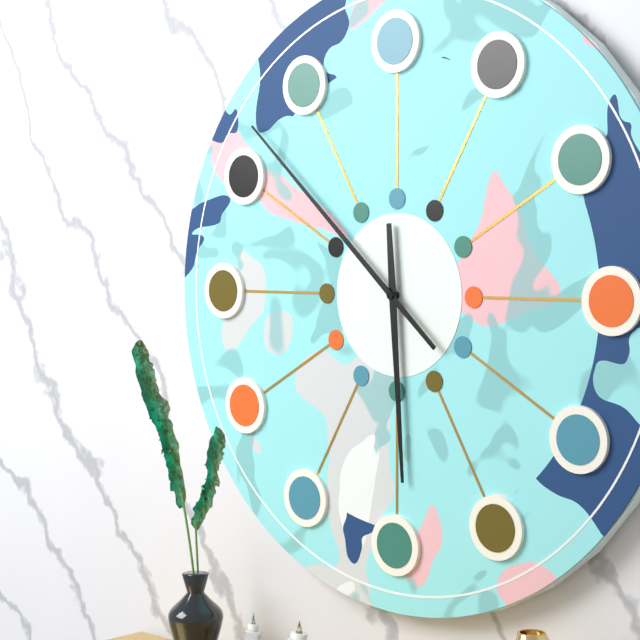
5:52
